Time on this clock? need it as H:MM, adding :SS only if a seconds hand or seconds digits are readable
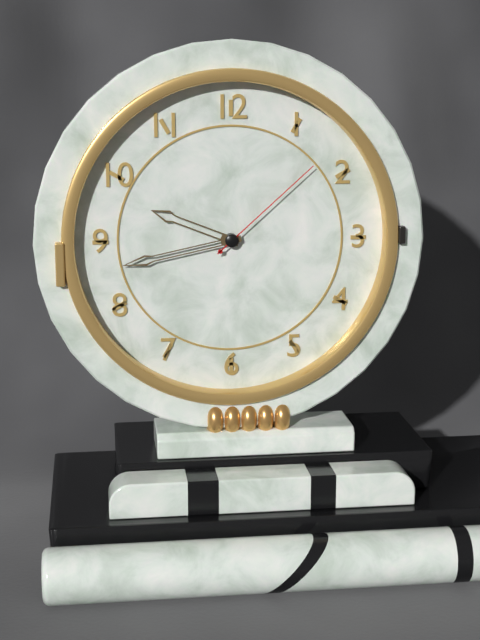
9:43:08
